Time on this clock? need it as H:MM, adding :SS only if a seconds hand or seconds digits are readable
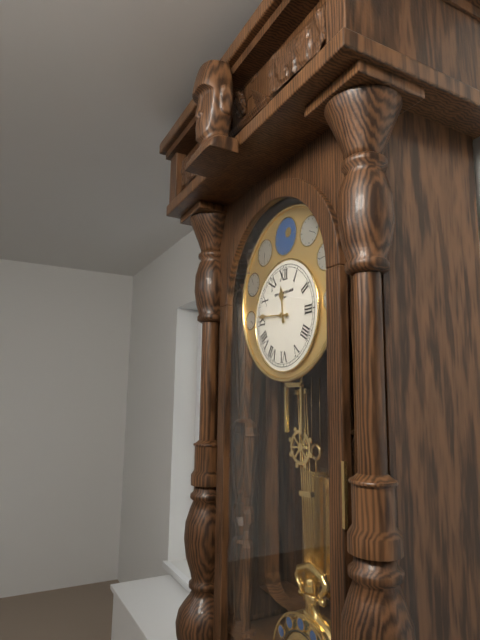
11:46
